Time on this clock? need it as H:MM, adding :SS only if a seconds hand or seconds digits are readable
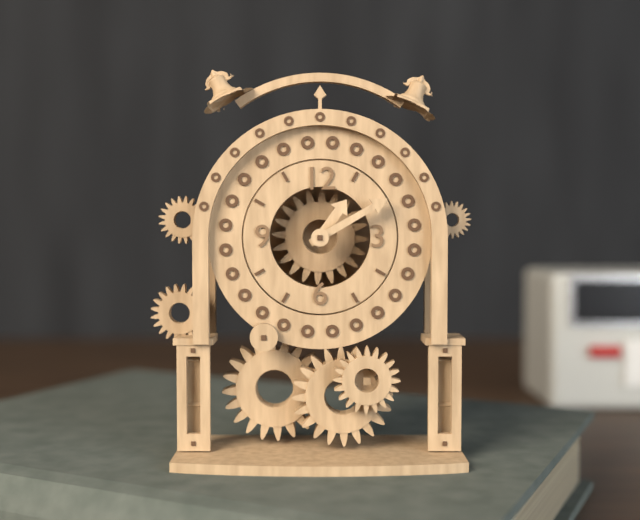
1:10
